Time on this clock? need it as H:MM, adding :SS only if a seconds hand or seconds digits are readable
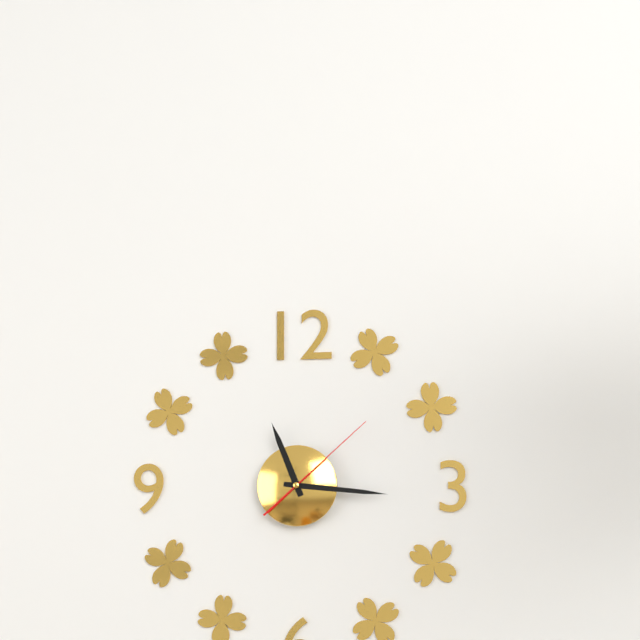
11:16:08
